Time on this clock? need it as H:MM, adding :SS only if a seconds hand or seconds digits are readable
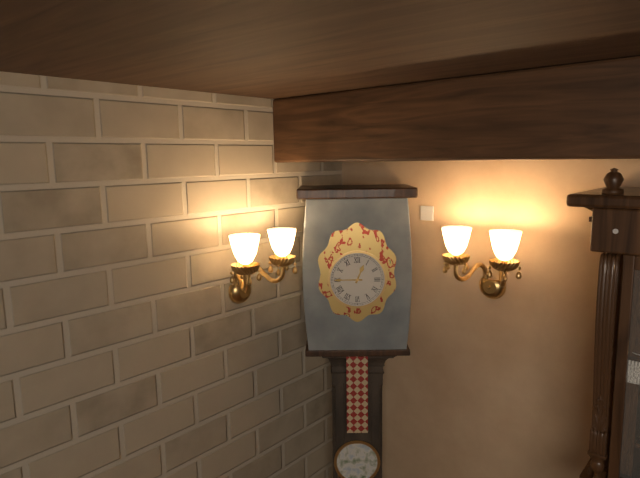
12:45
